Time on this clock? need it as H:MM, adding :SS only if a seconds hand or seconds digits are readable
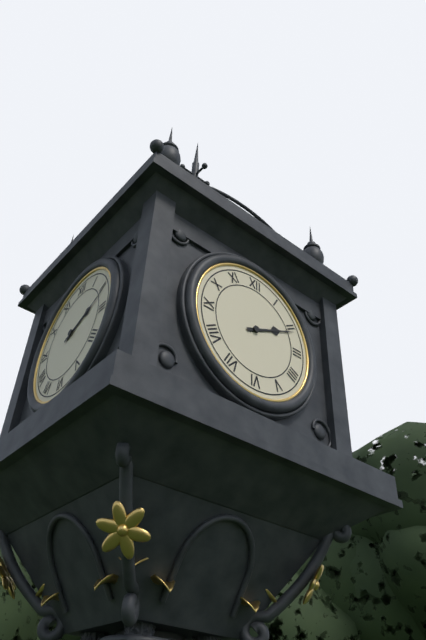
2:11
